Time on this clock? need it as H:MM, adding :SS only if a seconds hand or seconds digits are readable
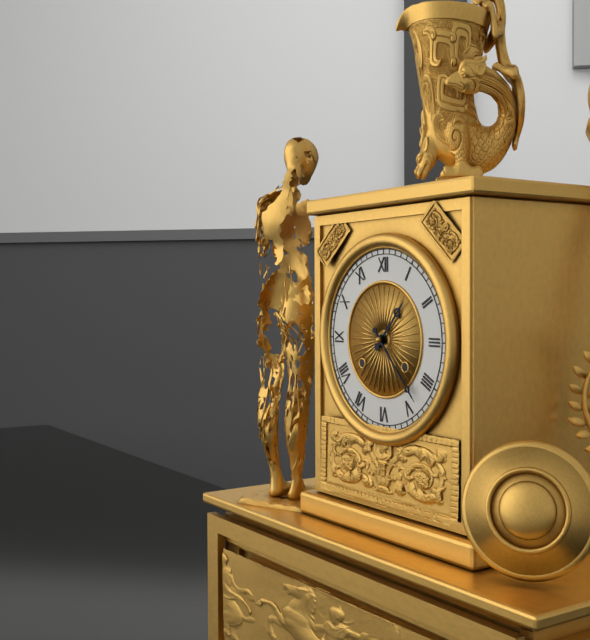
1:23
